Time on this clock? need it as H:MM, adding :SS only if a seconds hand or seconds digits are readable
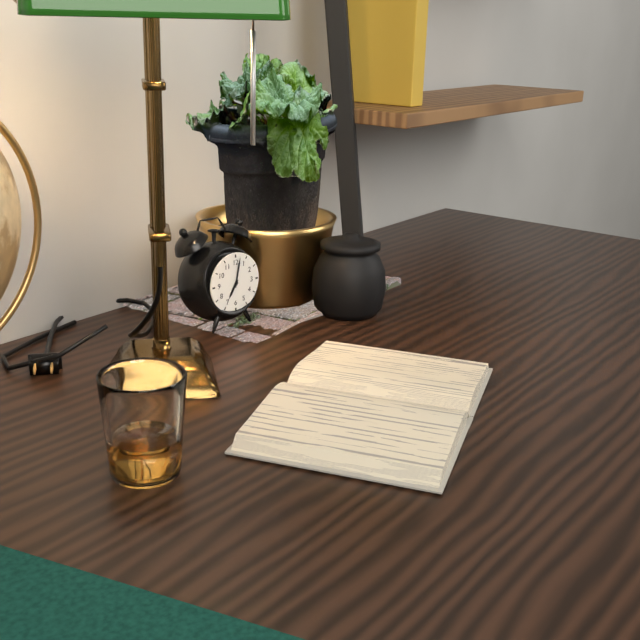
7:02
